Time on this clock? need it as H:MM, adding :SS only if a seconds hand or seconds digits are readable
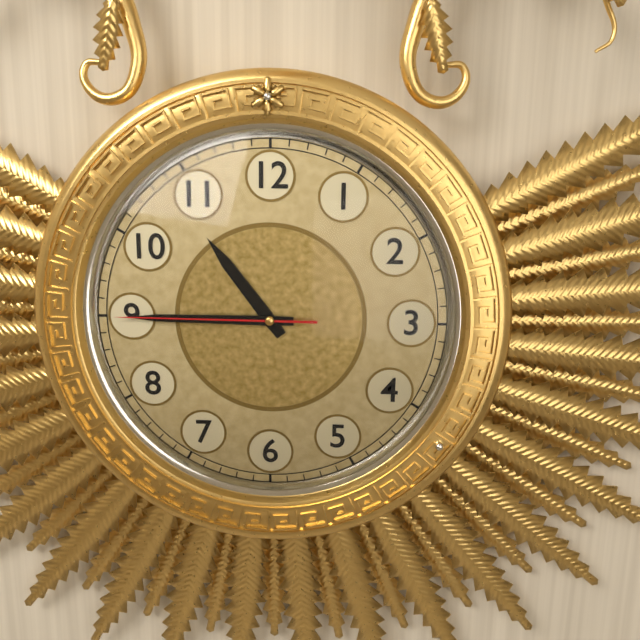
10:45:45
